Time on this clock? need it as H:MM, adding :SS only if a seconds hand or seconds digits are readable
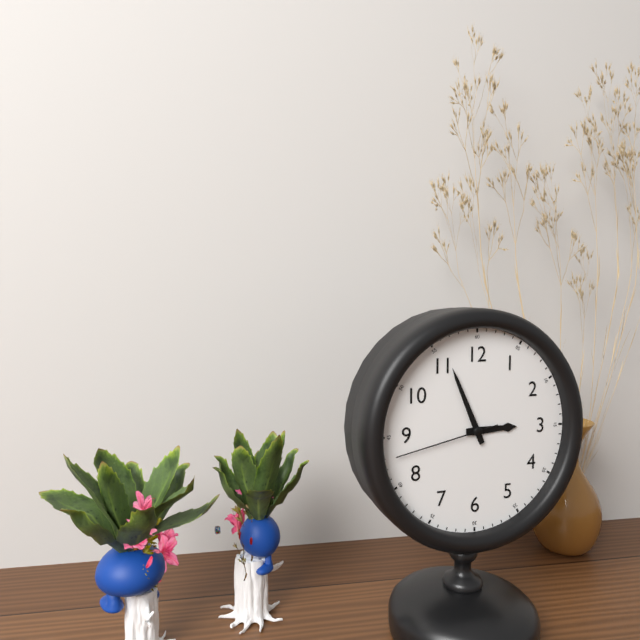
2:56:43
